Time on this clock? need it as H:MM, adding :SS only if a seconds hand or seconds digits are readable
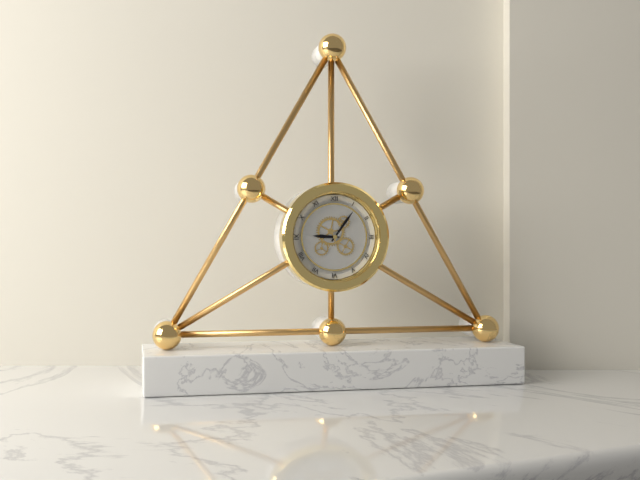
9:06
